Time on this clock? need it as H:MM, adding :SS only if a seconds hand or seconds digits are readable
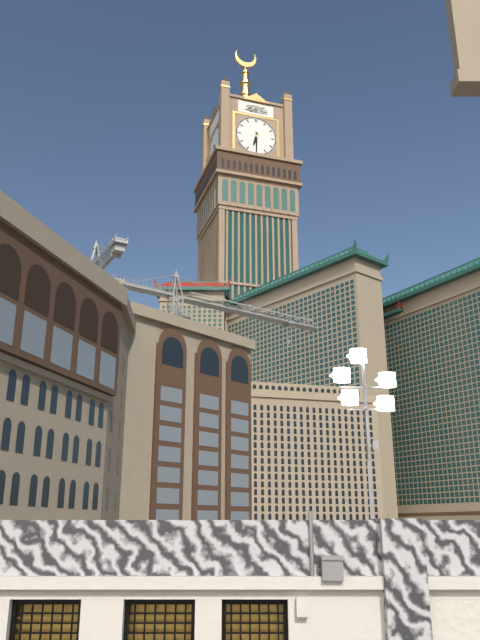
6:30
